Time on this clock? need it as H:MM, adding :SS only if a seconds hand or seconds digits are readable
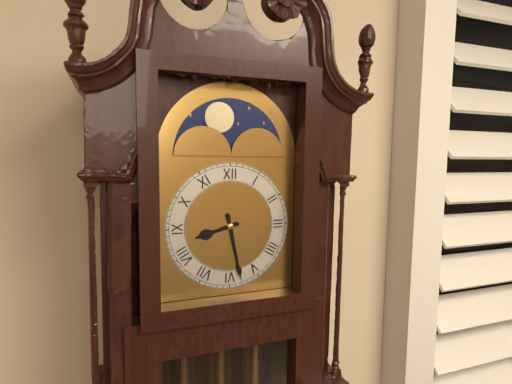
8:28
